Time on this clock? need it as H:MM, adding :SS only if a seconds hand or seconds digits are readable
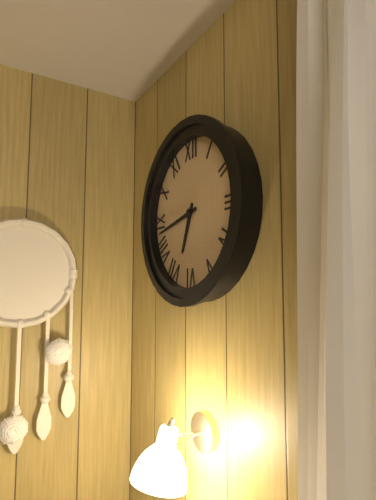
6:43
